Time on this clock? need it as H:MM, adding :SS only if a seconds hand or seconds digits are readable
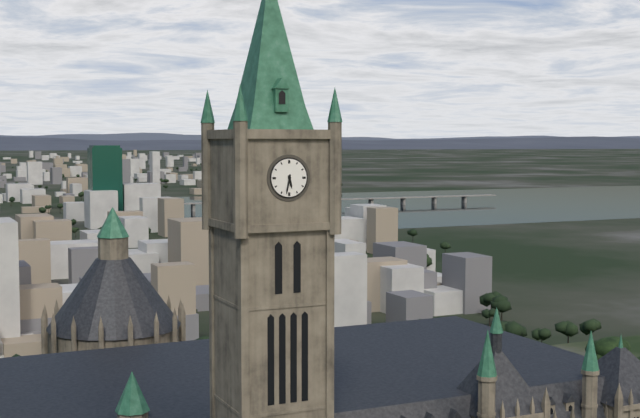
5:32
